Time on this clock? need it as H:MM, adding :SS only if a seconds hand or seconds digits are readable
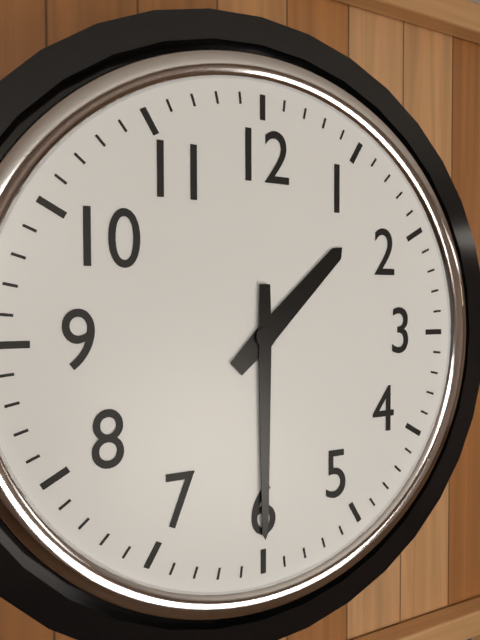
1:30
